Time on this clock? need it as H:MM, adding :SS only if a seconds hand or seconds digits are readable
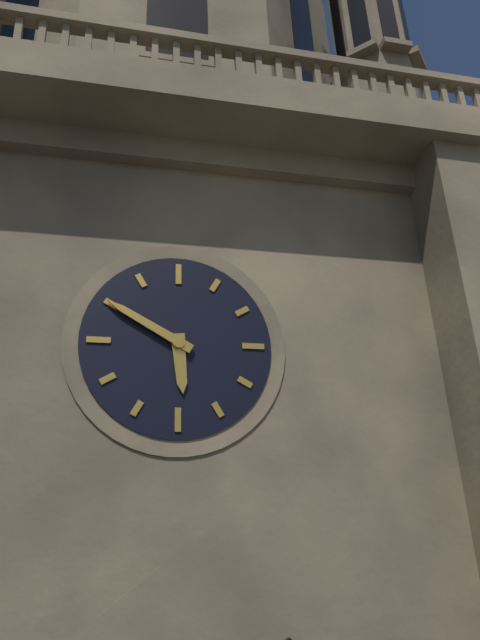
5:50
